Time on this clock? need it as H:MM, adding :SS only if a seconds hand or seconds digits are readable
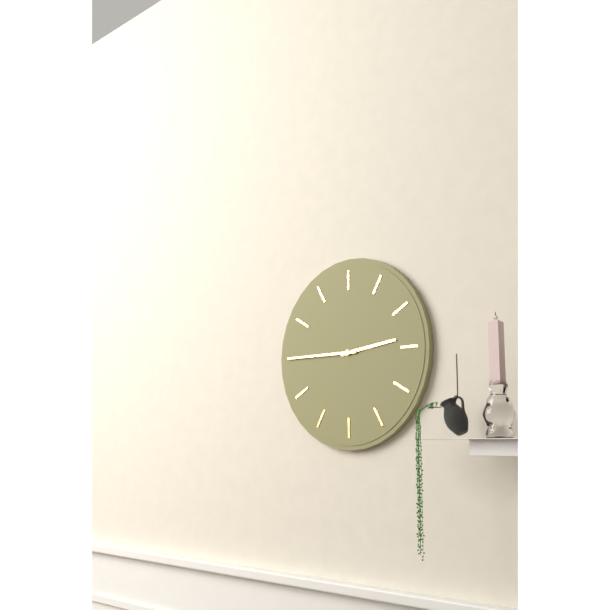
2:45
